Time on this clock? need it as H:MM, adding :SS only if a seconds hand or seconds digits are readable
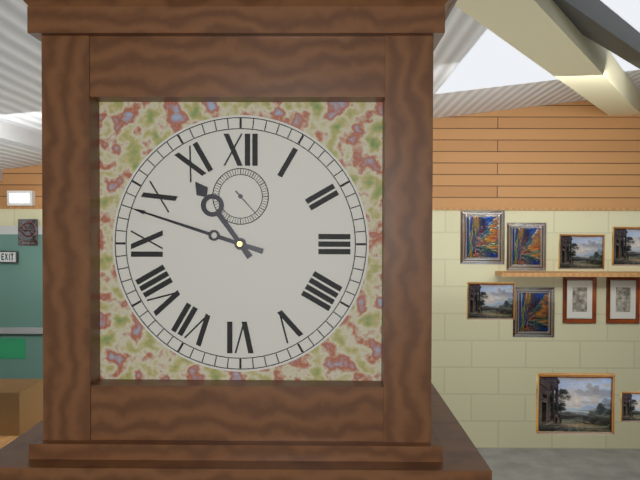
10:48
